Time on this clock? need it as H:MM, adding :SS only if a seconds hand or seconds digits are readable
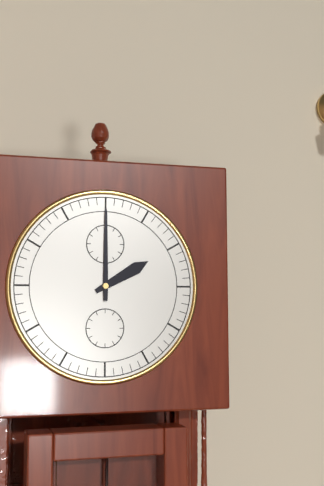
2:00
